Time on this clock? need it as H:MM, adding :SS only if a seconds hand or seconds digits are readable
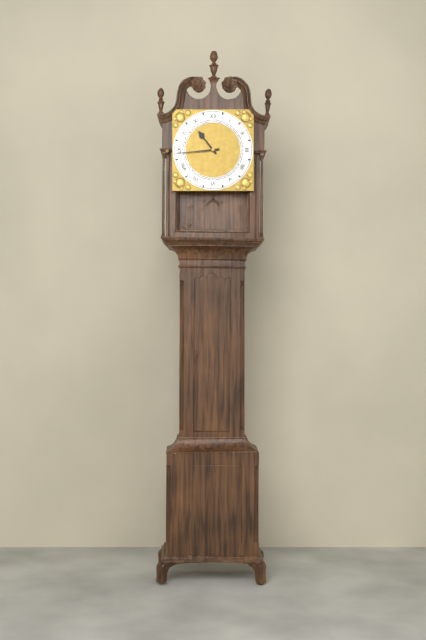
10:44
